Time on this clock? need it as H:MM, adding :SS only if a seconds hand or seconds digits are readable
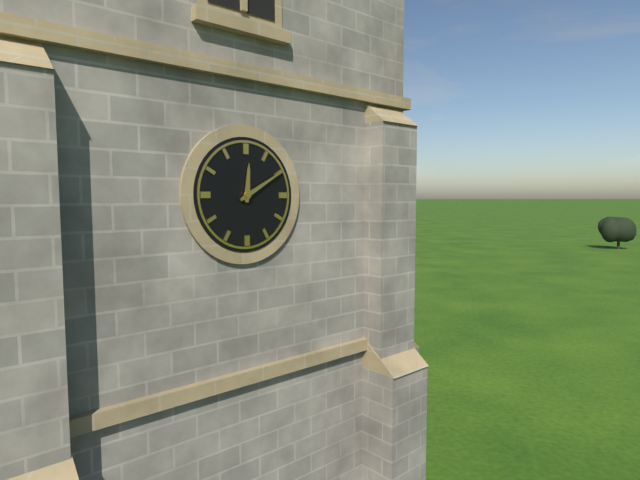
12:10
